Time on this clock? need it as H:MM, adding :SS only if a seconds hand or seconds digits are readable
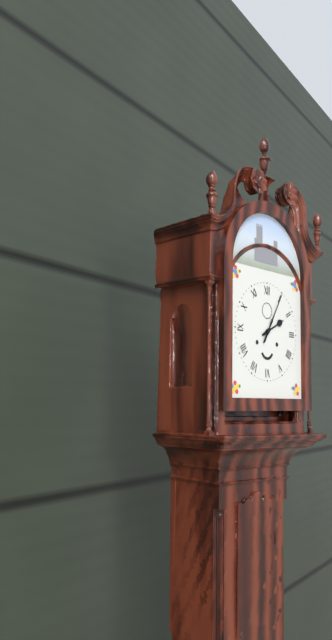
2:05
